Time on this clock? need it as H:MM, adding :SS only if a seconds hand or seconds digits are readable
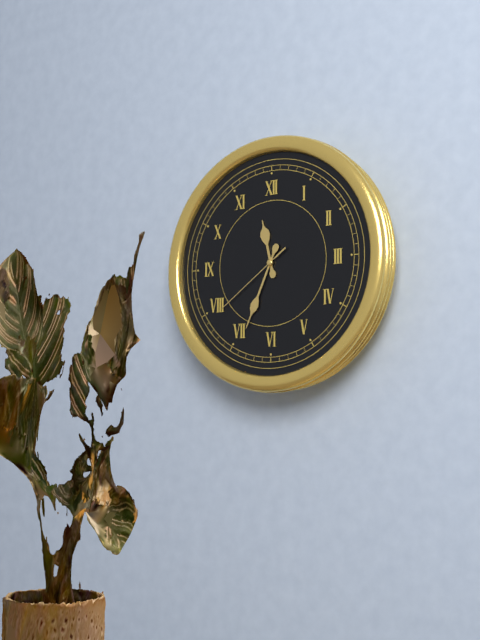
11:34:39
